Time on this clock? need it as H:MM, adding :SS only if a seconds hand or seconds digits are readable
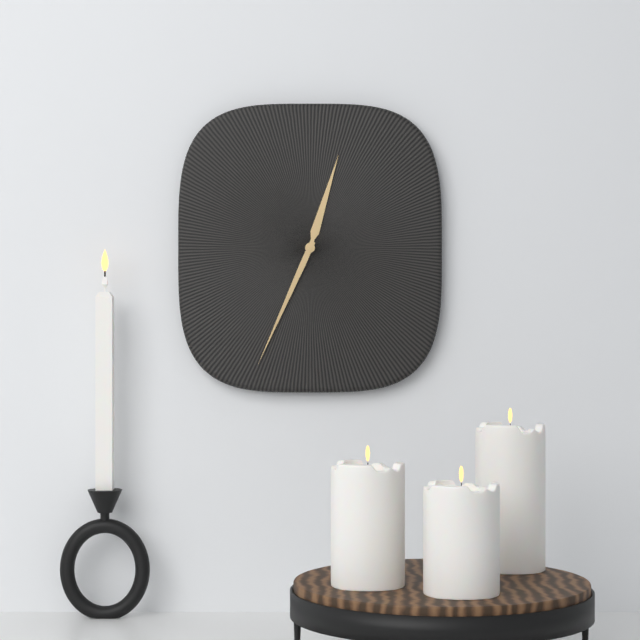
12:34
